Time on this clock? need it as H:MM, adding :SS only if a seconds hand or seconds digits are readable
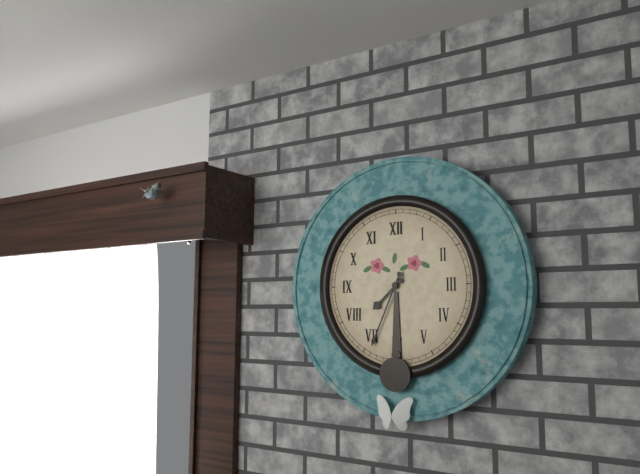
7:34
